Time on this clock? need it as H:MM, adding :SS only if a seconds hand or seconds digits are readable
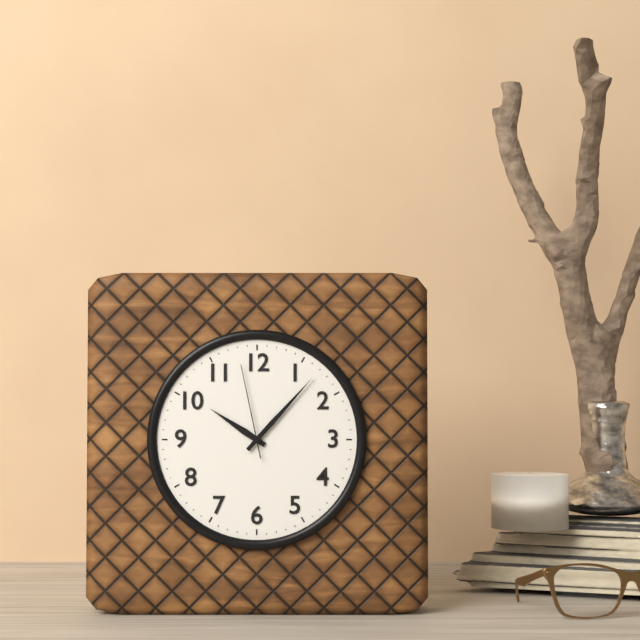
10:07:58
